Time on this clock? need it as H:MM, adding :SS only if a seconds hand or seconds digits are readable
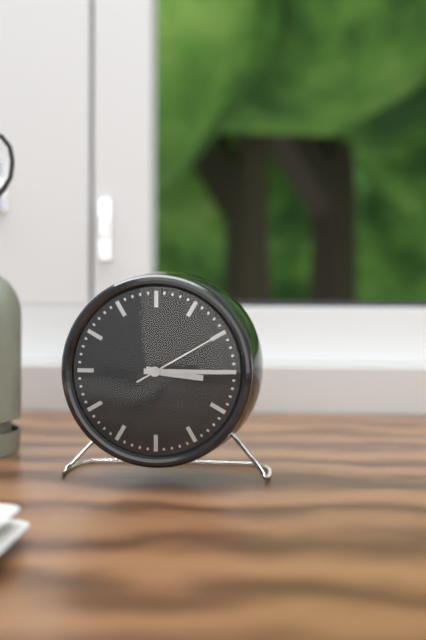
3:15:10
